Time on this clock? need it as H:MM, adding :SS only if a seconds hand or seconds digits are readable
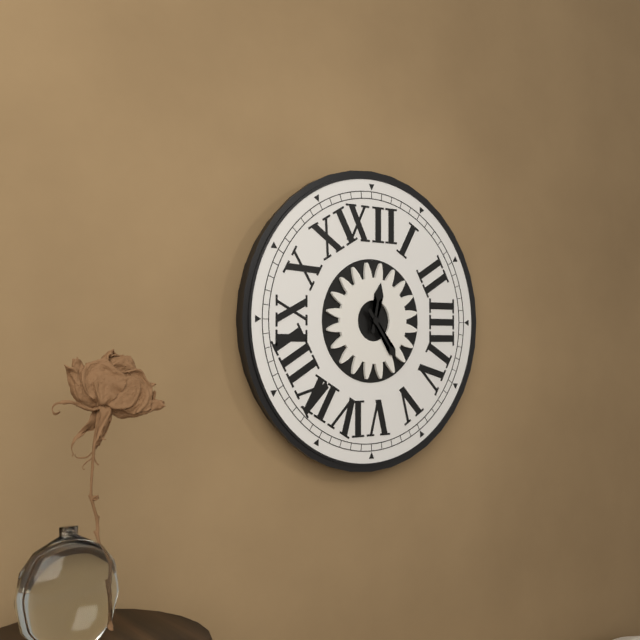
12:24
